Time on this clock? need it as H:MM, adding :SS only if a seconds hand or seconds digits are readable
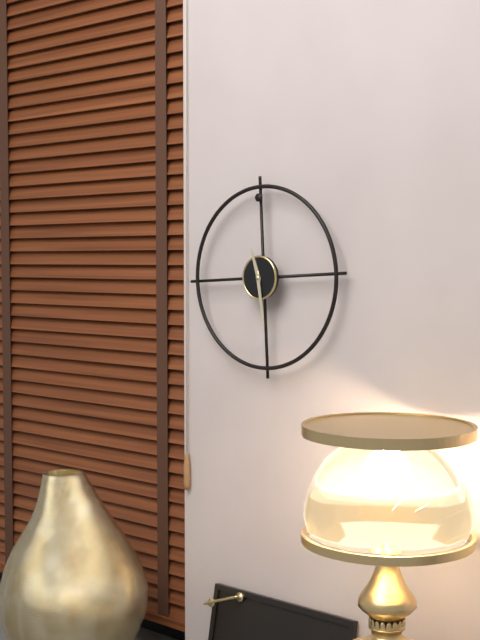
11:29
